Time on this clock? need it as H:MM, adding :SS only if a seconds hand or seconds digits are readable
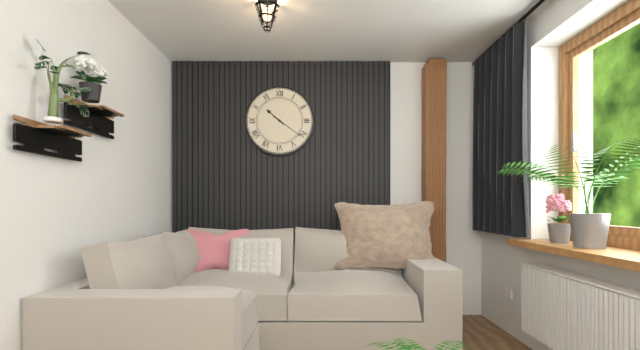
10:21
